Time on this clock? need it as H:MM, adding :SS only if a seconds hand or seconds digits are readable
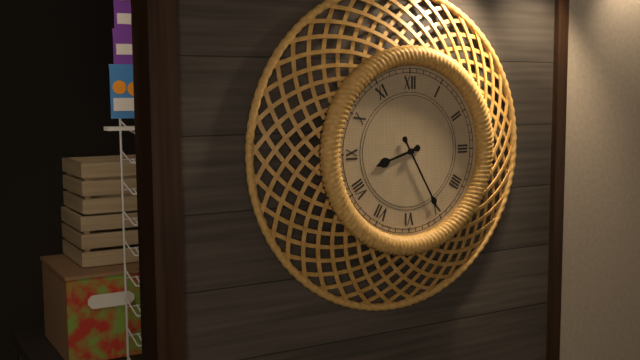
8:25
